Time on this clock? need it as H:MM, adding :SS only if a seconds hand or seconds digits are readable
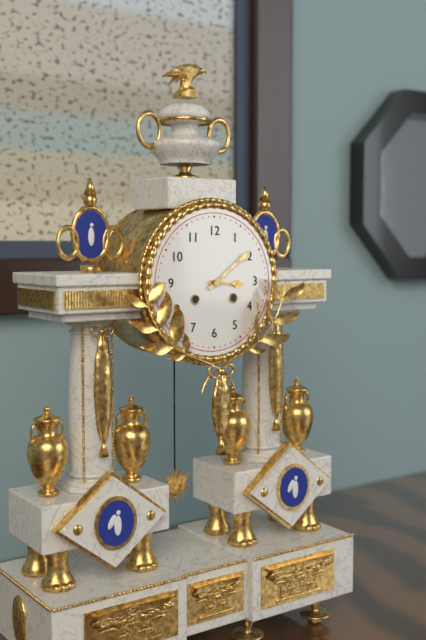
3:09
